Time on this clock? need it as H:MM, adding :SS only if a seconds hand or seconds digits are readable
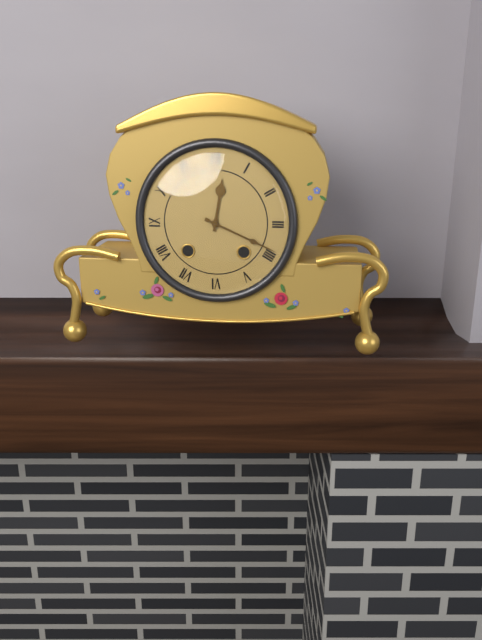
12:19
